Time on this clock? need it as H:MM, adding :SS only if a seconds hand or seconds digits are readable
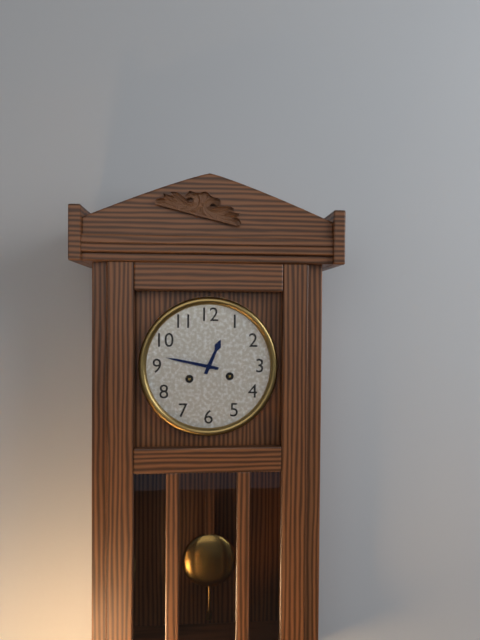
12:47
